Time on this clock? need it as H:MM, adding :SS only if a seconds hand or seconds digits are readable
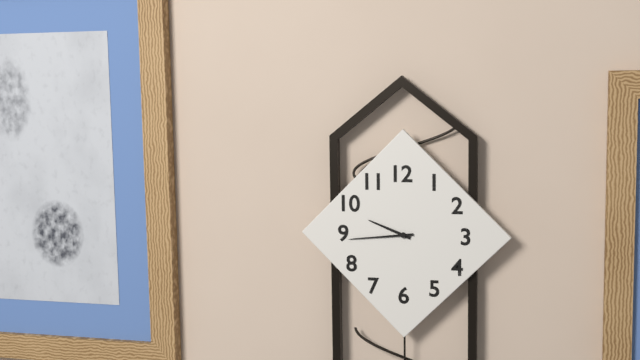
9:44
